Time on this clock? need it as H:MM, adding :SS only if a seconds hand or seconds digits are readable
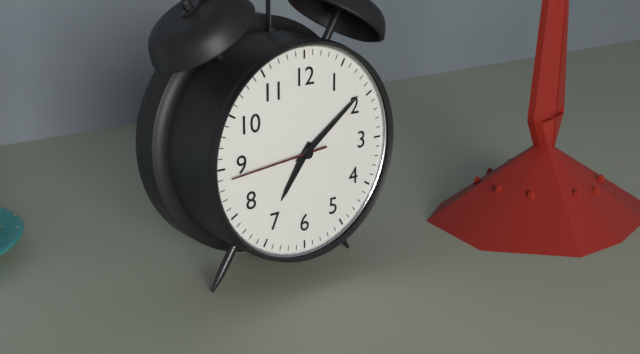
7:09:44
